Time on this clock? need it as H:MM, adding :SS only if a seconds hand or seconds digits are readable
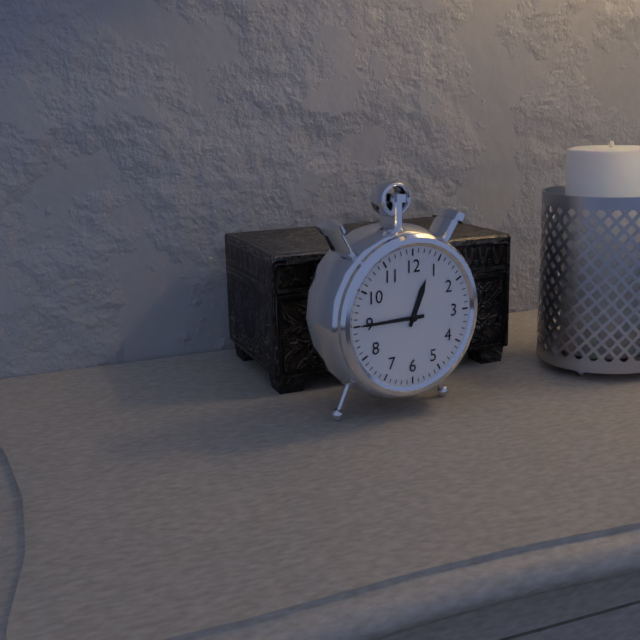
12:45
